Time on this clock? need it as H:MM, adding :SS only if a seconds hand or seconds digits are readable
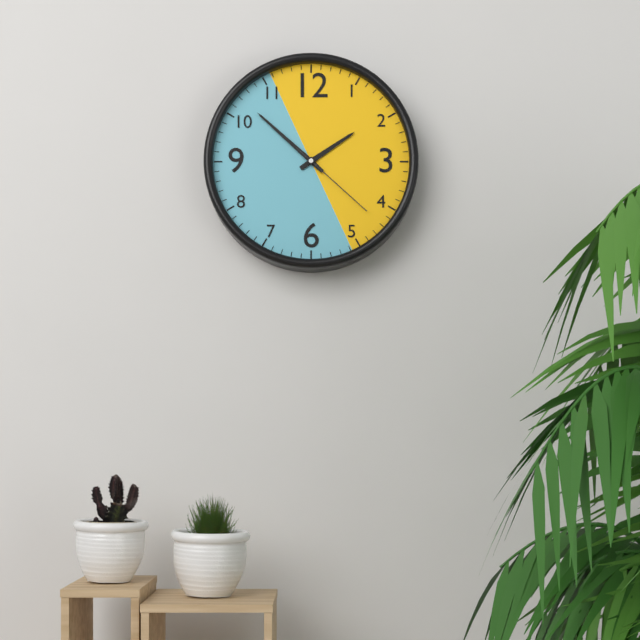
1:52:22
